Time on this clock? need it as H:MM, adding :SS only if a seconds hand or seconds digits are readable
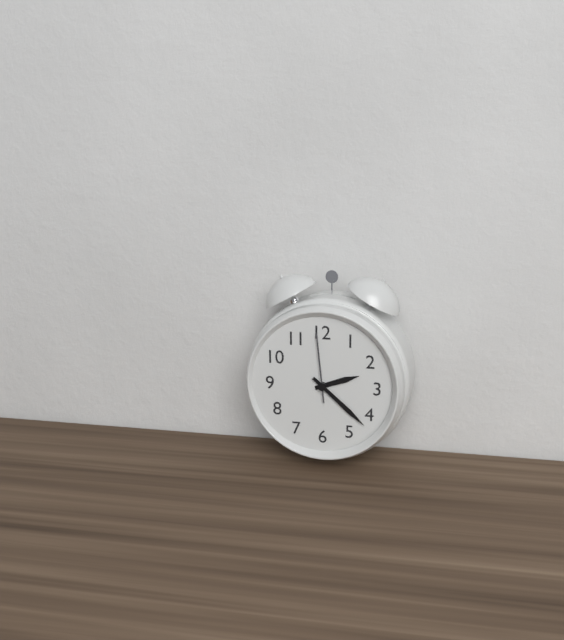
2:22:59
